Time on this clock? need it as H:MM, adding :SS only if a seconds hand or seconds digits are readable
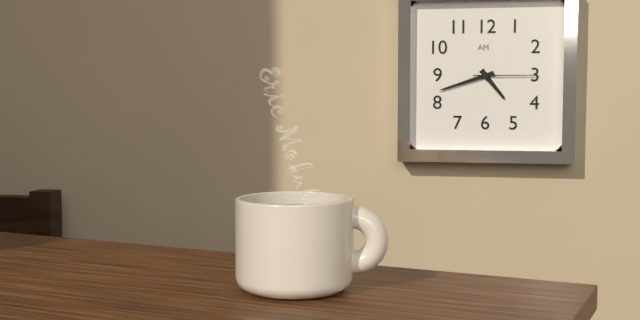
4:42:15
